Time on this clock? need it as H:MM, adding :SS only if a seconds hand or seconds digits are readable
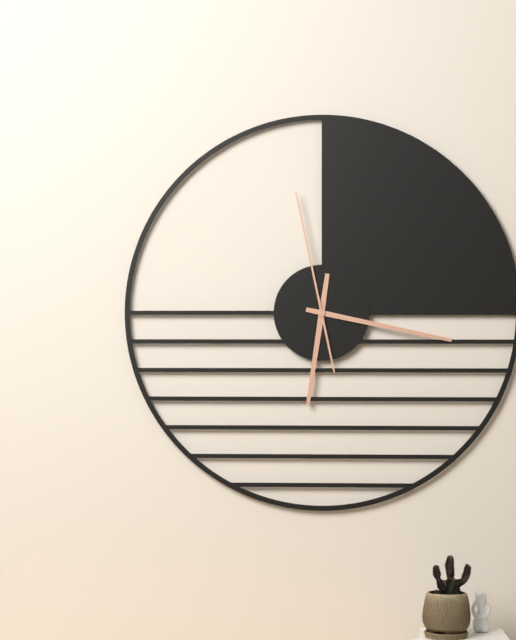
6:17:58
